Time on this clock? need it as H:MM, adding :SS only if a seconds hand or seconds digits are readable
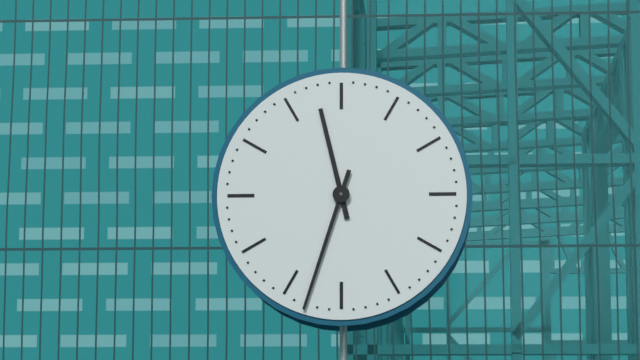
11:33
